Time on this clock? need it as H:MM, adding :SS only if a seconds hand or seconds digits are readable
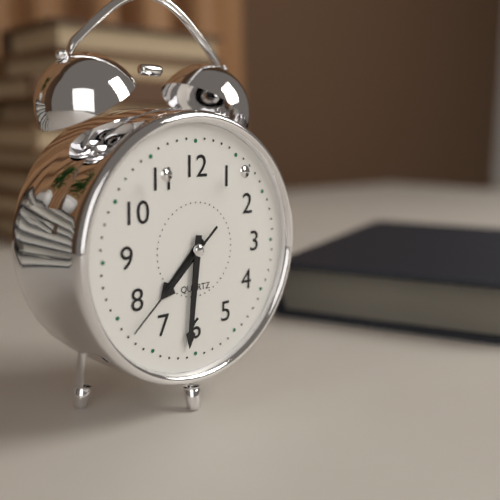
7:31:38
